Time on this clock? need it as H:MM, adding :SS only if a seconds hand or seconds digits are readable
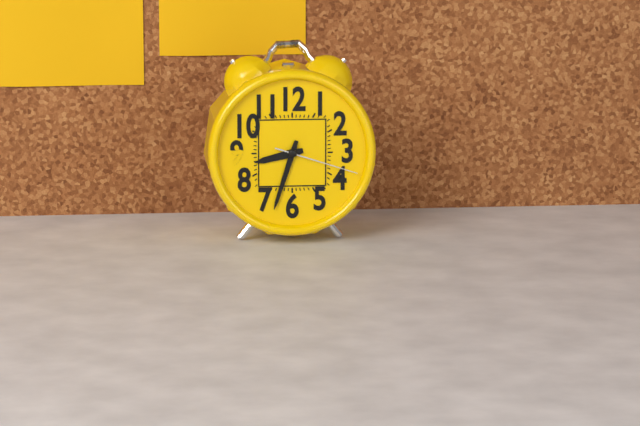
8:33:18
